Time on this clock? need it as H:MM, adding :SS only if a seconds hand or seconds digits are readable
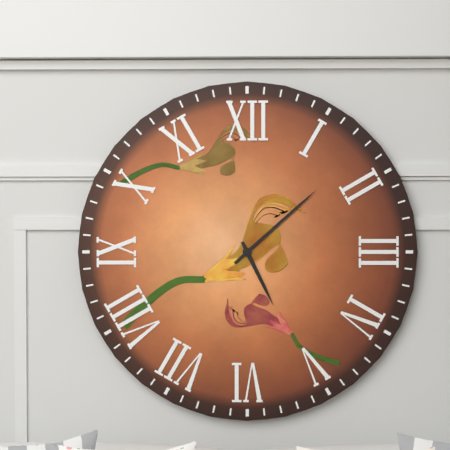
5:08
